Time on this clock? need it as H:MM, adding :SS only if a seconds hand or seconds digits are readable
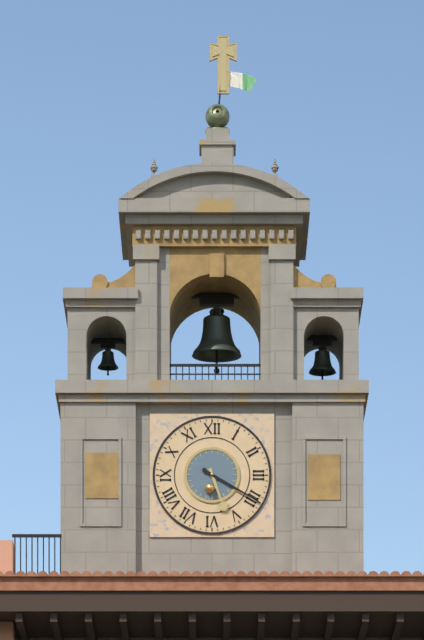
5:20
